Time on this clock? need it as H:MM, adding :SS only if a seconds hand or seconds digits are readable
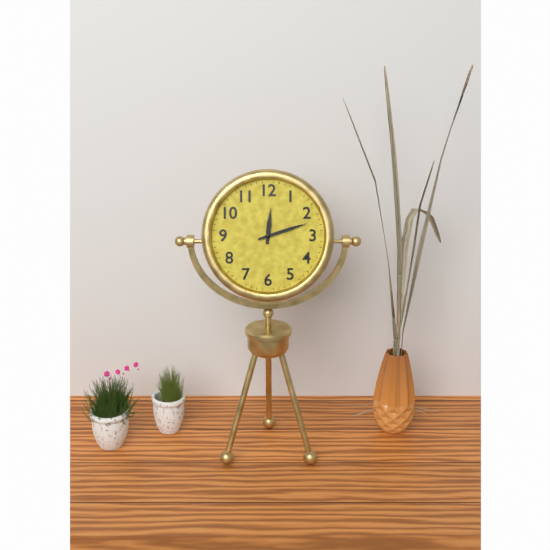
12:12
